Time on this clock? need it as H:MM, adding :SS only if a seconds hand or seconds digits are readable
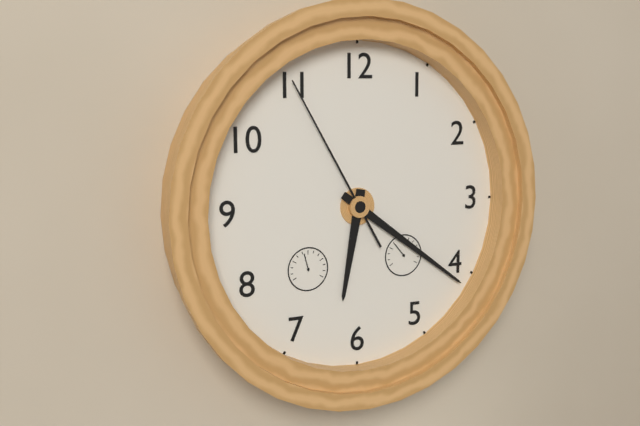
6:21:55
